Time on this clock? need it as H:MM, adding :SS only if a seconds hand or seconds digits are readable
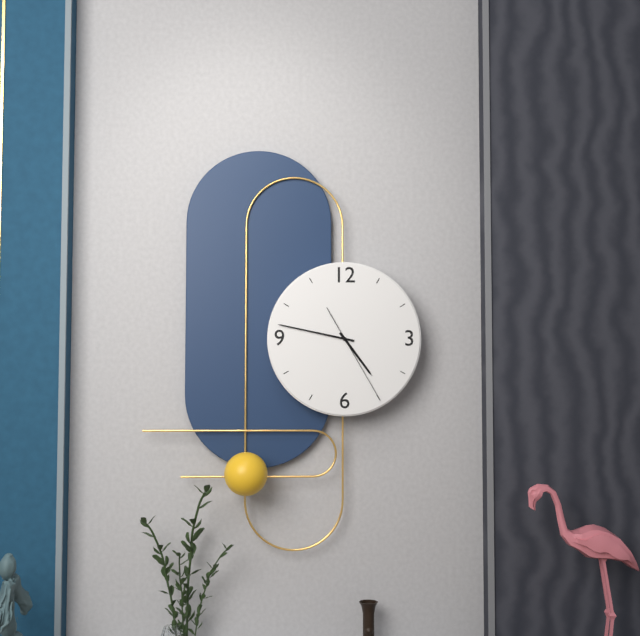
4:47:25
